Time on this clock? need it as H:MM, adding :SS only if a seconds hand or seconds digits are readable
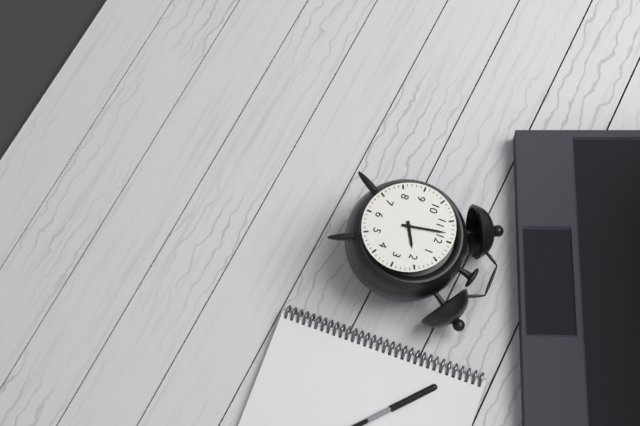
1:58
